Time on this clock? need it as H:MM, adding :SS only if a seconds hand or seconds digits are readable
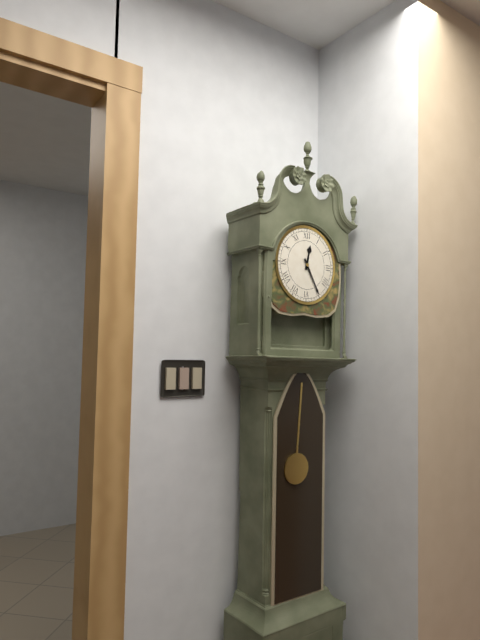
12:25
